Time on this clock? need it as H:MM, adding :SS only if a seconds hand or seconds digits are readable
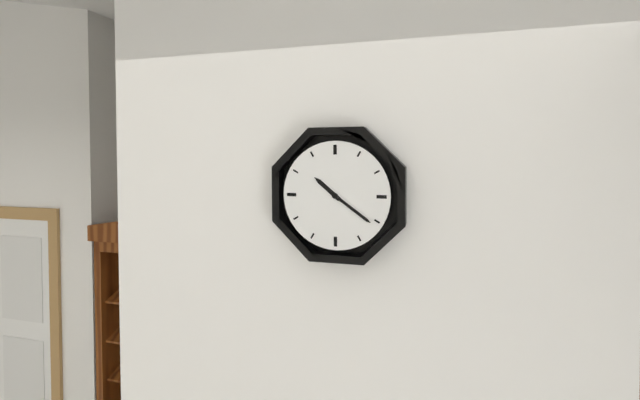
10:21
